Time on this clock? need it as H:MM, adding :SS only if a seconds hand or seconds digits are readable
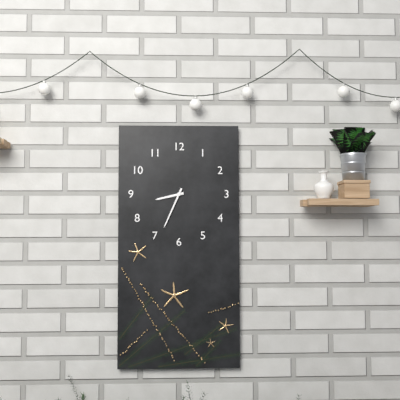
8:34
